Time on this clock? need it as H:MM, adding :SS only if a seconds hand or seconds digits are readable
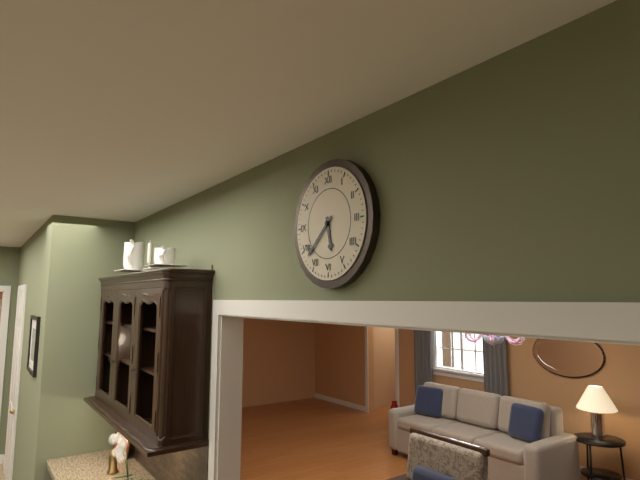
5:38
